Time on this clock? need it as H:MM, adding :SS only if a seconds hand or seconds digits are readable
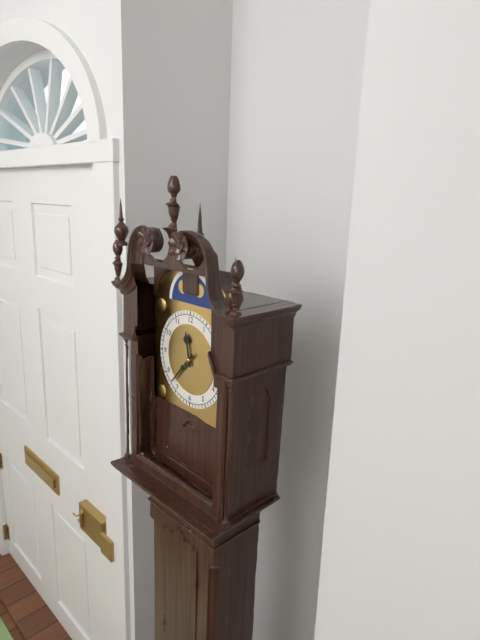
11:37
